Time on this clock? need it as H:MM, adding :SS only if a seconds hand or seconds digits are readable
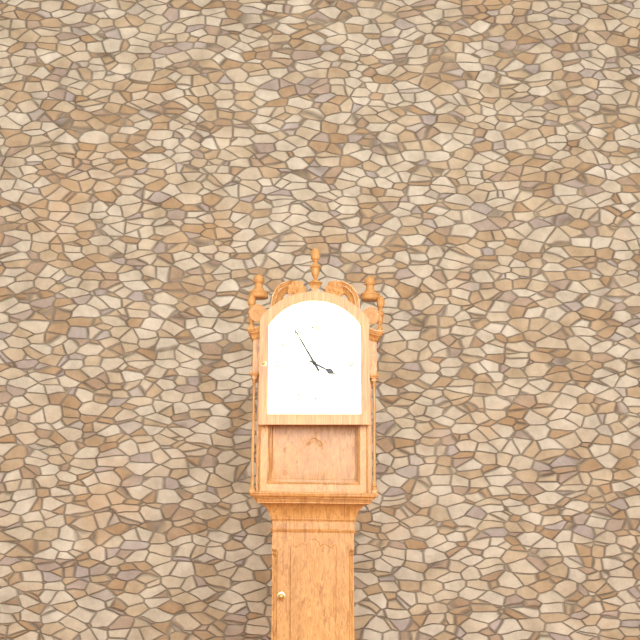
3:55
